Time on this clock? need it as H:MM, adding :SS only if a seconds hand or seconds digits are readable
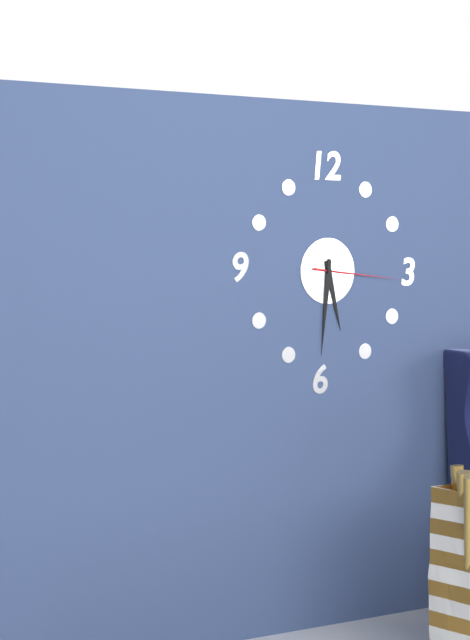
5:31:16
